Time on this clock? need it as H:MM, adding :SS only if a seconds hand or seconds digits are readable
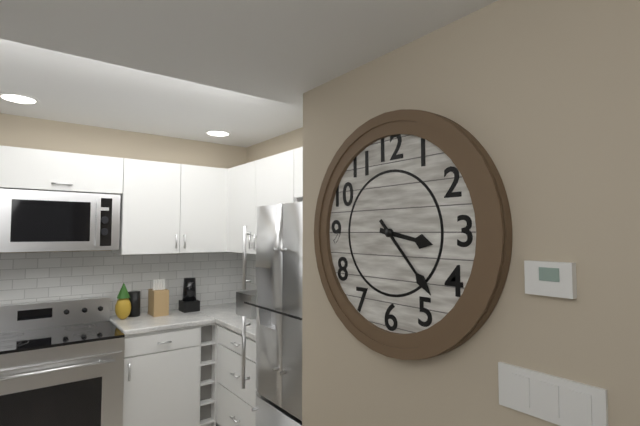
3:23
